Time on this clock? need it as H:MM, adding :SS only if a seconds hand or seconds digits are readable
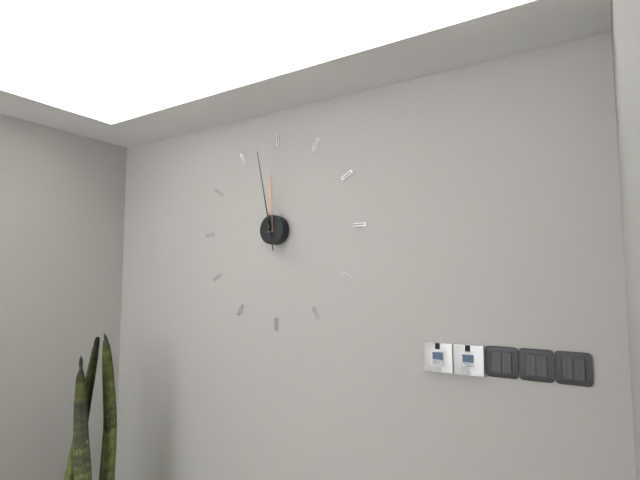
11:58
